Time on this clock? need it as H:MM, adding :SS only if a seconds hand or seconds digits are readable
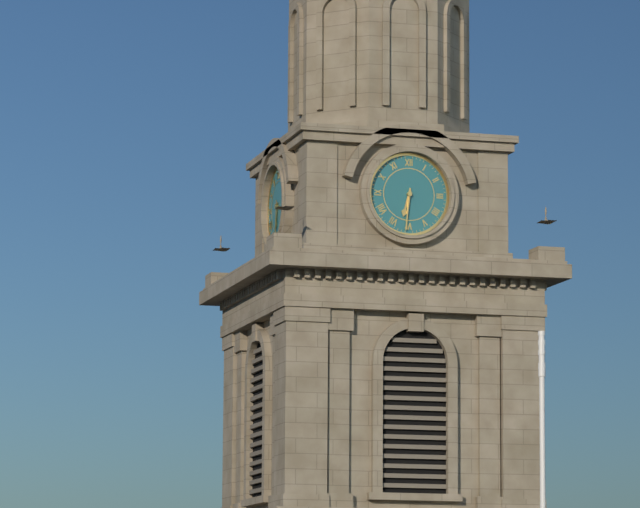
6:31
